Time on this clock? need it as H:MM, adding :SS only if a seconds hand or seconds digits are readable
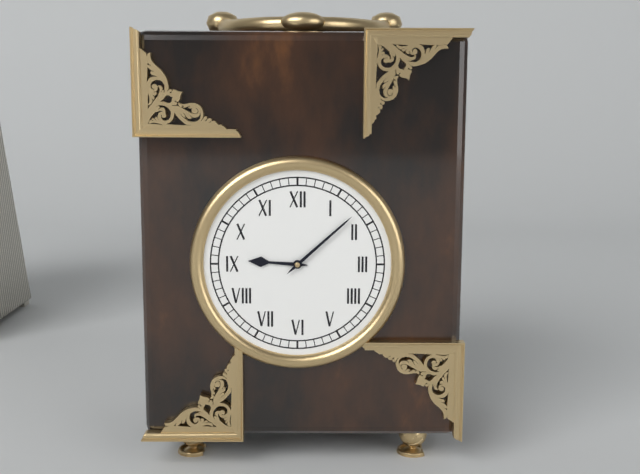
9:08
